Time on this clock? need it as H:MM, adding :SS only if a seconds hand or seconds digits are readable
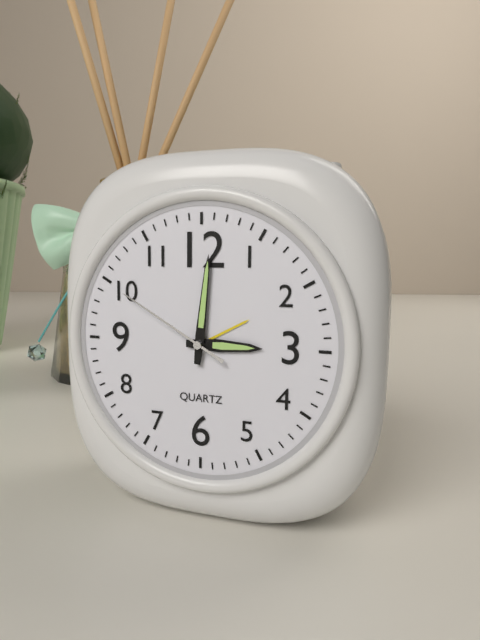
3:01:50
